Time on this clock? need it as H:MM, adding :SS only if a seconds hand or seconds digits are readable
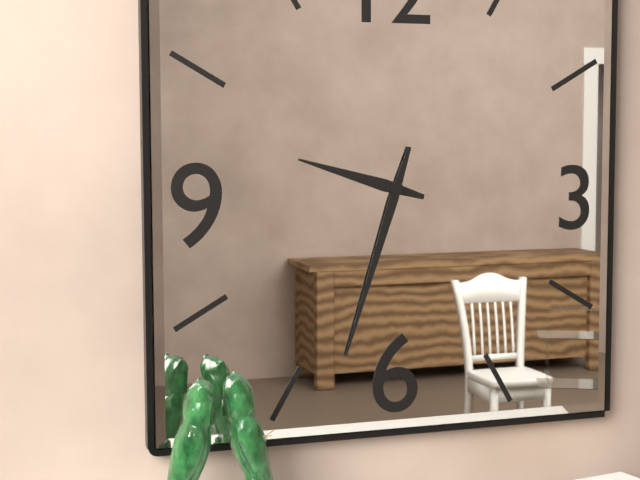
9:33
